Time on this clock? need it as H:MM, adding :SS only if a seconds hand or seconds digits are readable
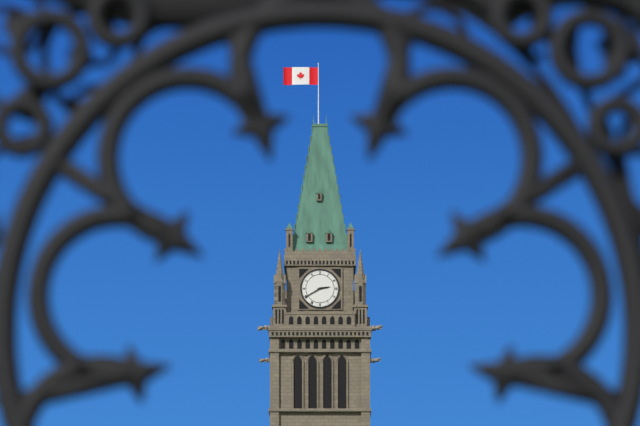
2:40
